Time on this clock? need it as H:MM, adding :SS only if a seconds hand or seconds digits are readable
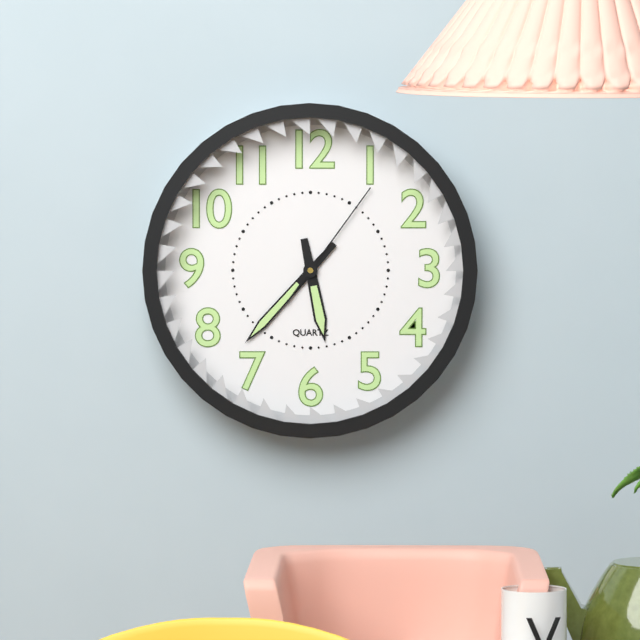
5:37:06
